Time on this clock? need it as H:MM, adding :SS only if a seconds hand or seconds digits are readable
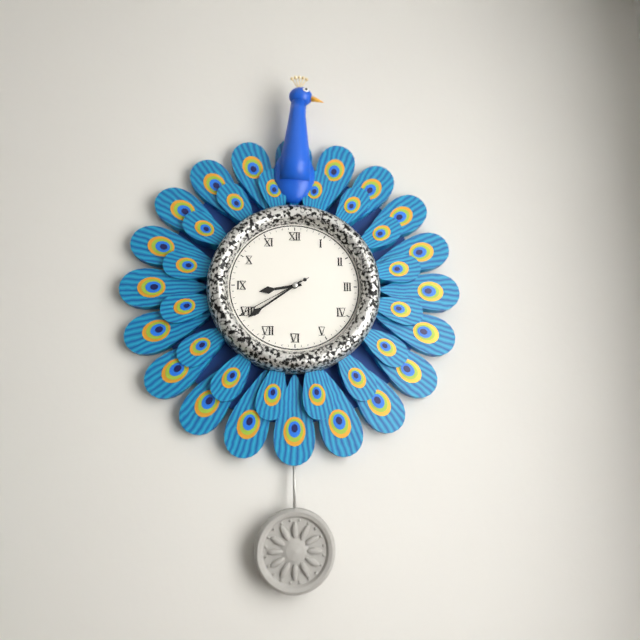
8:39:40
